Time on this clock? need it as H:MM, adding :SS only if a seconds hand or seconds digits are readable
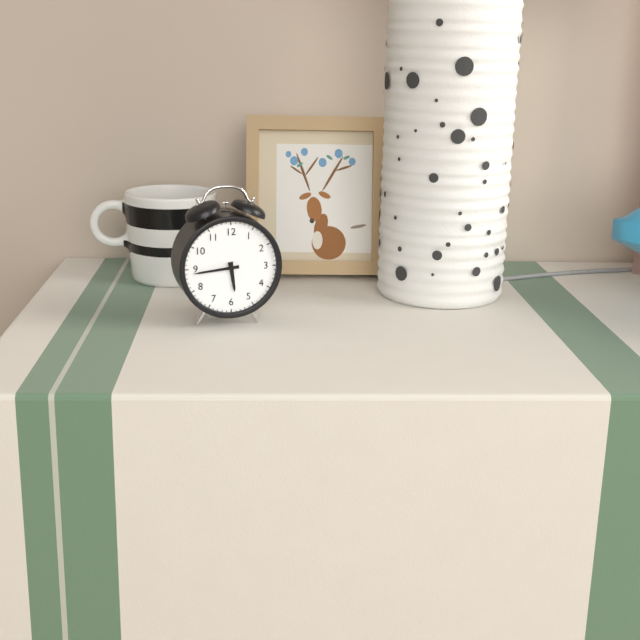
5:44
